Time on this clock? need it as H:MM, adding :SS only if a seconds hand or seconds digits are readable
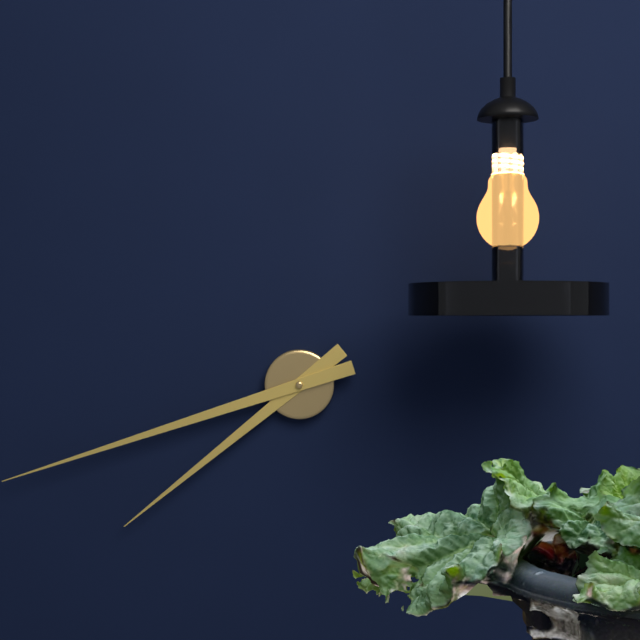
7:42
